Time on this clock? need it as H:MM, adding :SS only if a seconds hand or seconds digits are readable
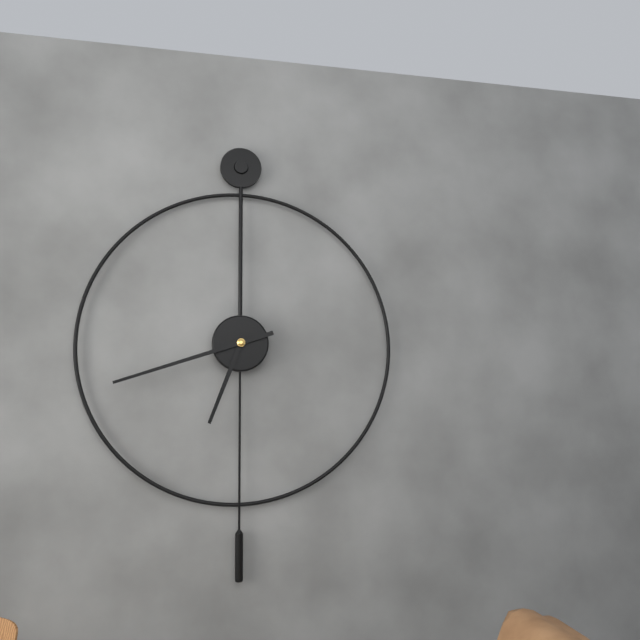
6:42
